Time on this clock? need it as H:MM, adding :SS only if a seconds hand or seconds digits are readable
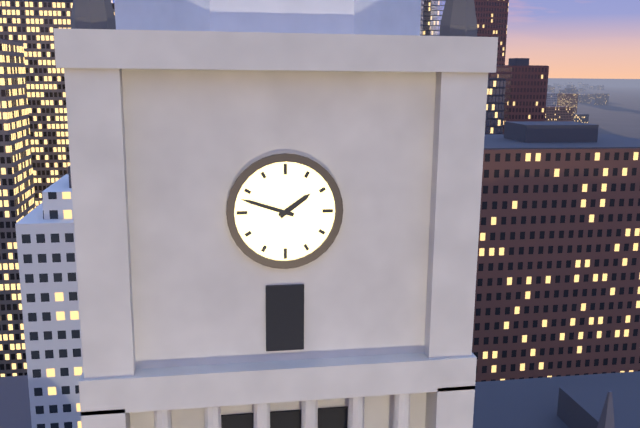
1:48
